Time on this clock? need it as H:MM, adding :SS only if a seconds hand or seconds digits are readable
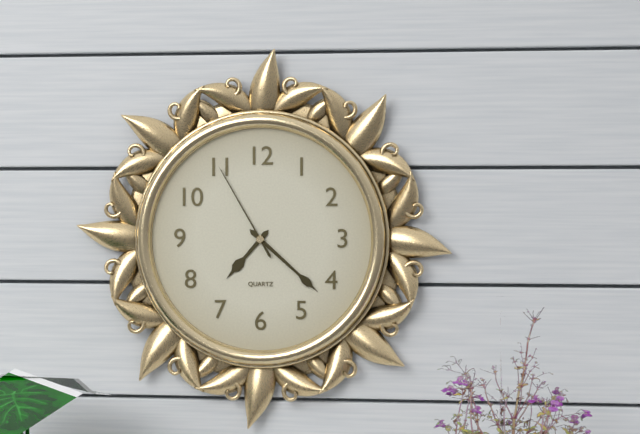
7:22:55
